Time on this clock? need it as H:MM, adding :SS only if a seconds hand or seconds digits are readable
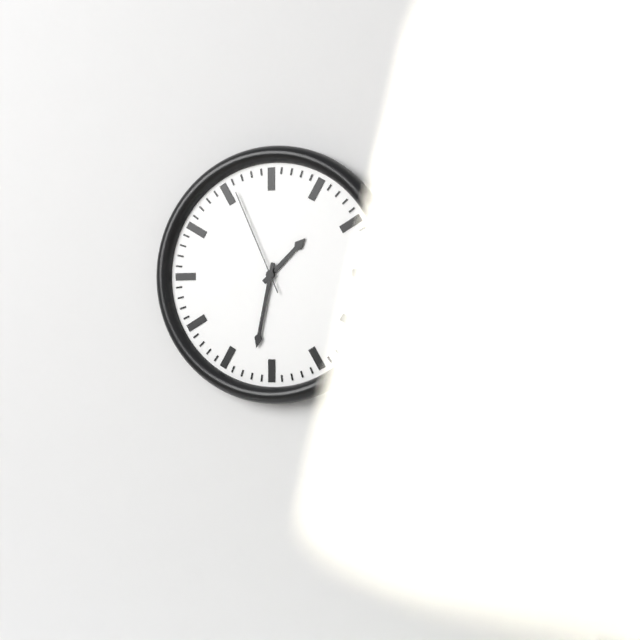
1:32:56
